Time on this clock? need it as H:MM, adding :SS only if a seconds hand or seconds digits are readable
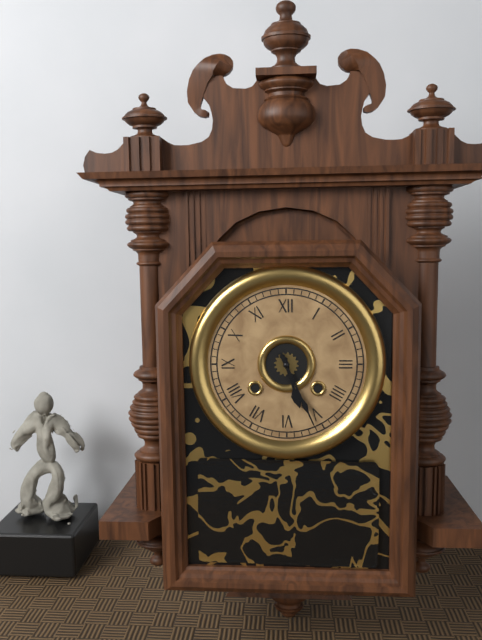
5:26
